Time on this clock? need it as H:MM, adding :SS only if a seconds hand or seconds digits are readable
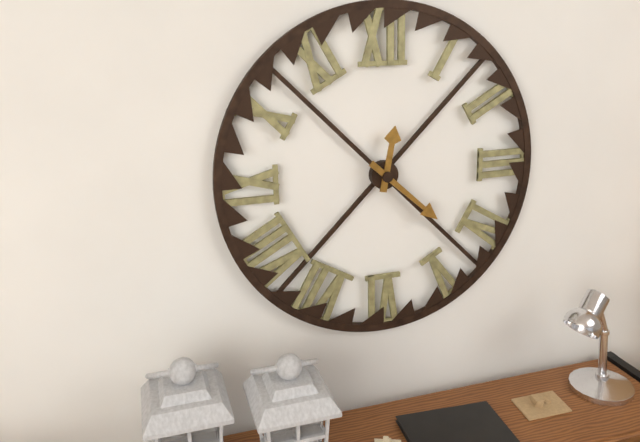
12:22
